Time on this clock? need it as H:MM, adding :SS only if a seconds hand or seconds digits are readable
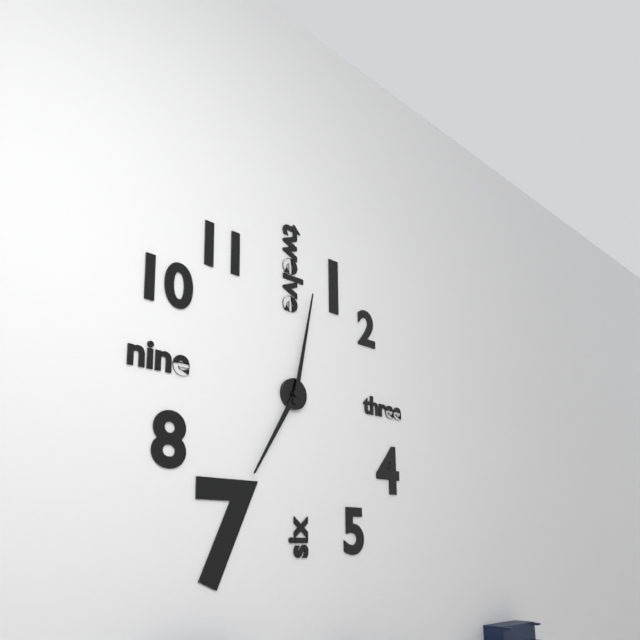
7:02
